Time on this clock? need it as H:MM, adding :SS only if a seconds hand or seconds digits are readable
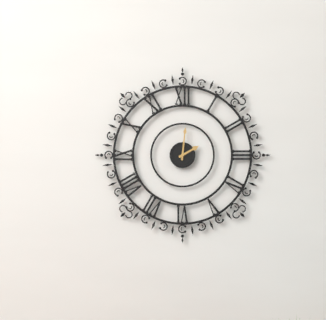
2:01
